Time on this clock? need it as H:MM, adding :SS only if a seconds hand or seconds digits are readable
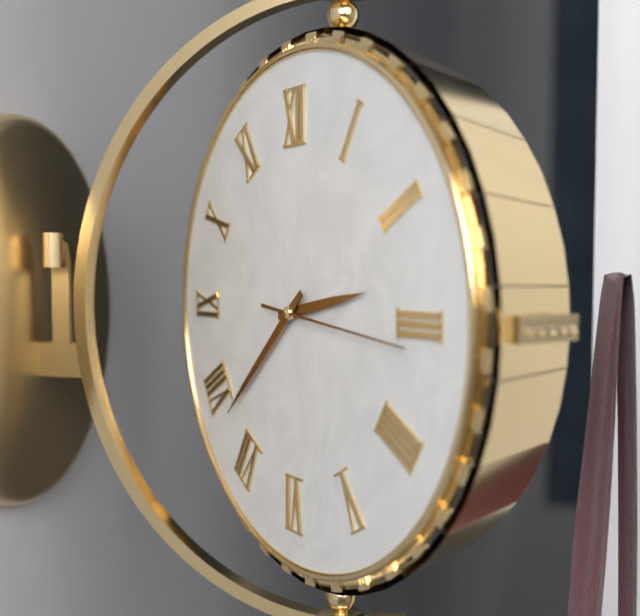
2:38:16
